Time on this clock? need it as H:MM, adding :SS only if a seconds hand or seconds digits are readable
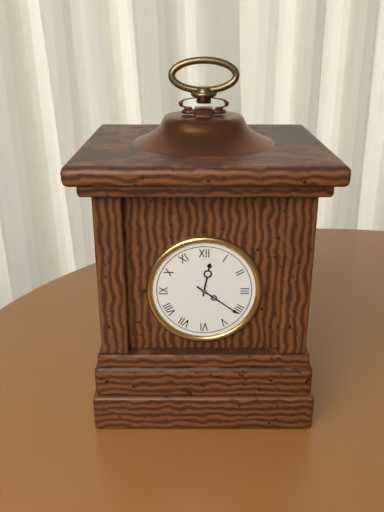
12:21
